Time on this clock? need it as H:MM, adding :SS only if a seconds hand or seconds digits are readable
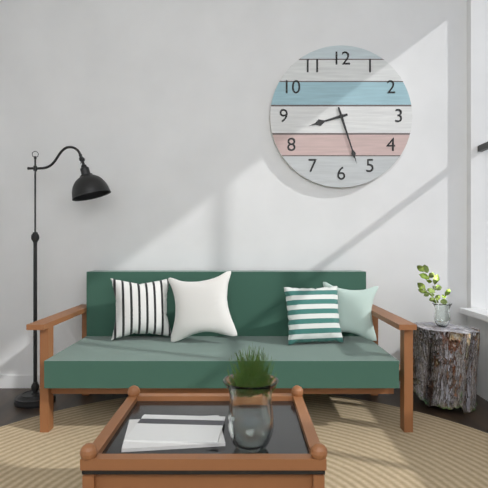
8:27
